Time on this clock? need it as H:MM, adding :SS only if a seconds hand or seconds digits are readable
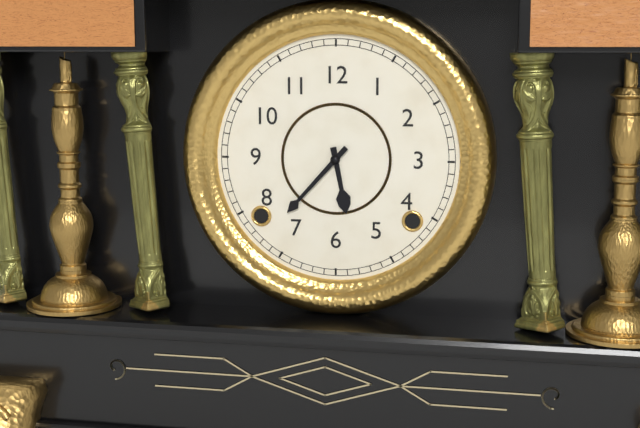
5:37
